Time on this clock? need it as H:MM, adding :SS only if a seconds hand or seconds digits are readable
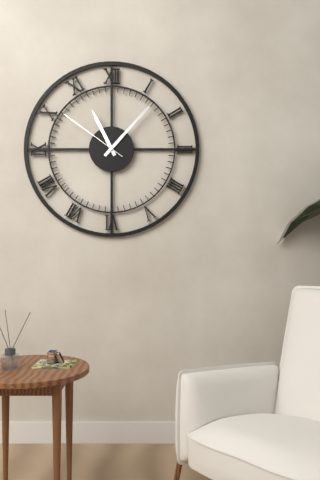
11:07:51
